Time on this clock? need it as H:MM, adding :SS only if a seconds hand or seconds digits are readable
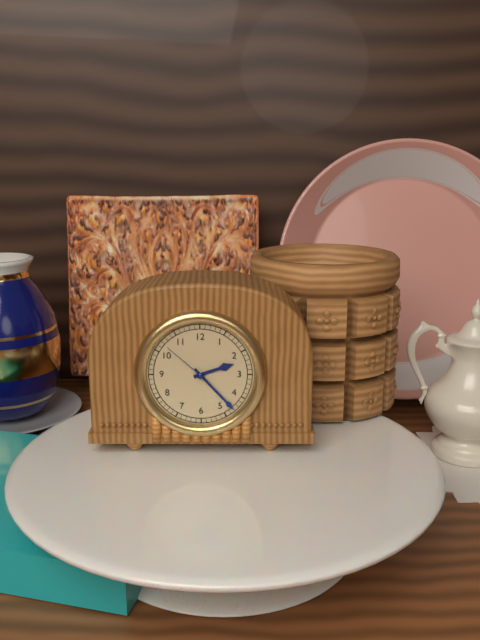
2:23:52
